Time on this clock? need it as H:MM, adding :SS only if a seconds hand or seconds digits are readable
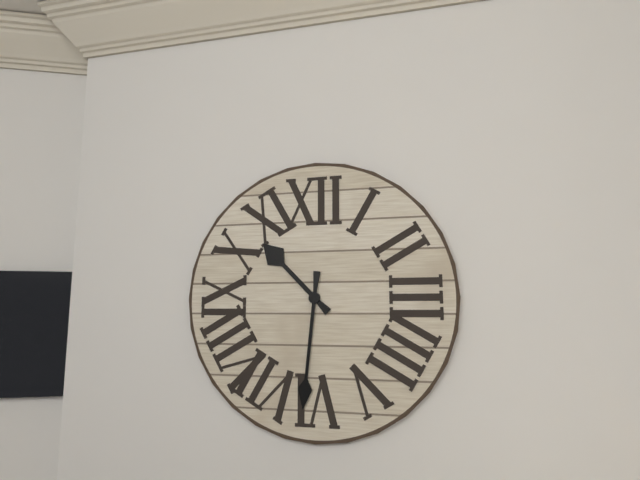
10:31
